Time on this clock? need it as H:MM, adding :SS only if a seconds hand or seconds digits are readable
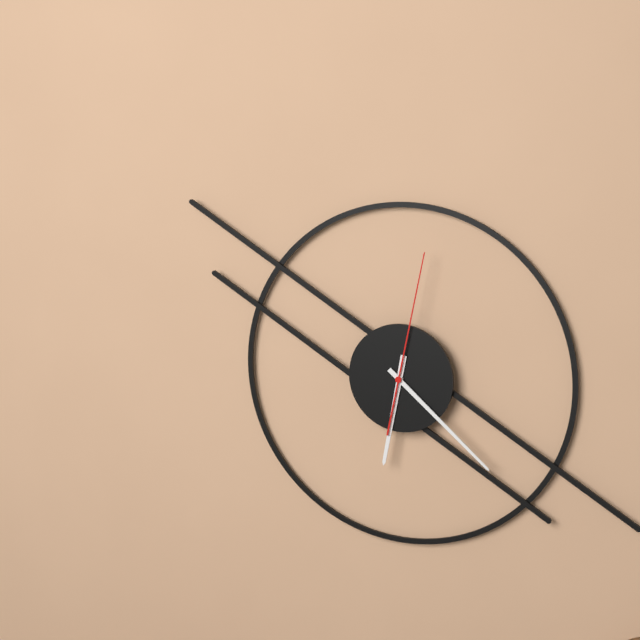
6:22:02
